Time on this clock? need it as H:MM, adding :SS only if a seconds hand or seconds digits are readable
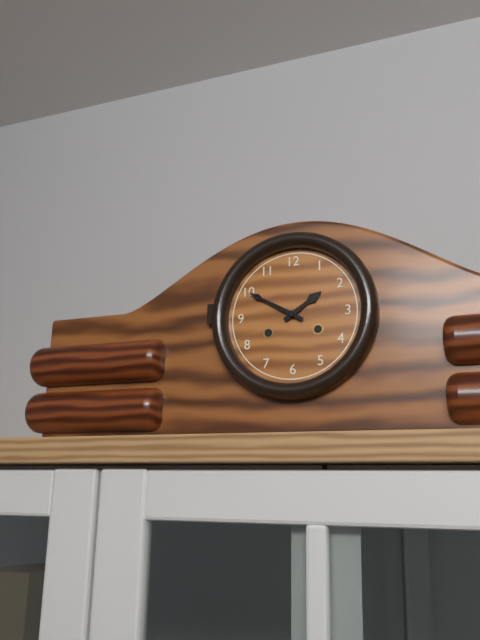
1:50
